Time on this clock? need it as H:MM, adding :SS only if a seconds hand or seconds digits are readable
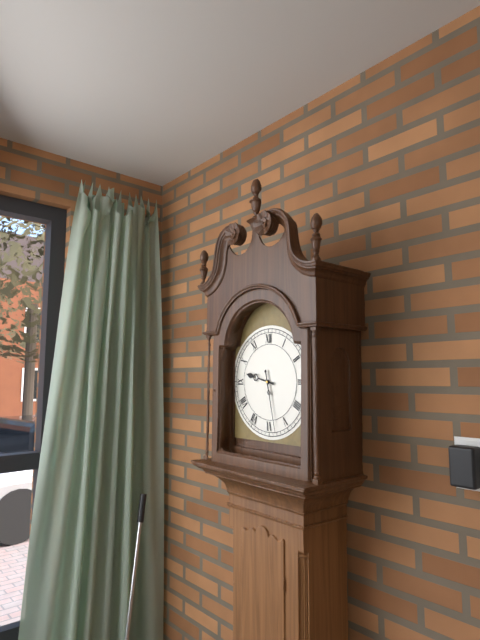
9:28
